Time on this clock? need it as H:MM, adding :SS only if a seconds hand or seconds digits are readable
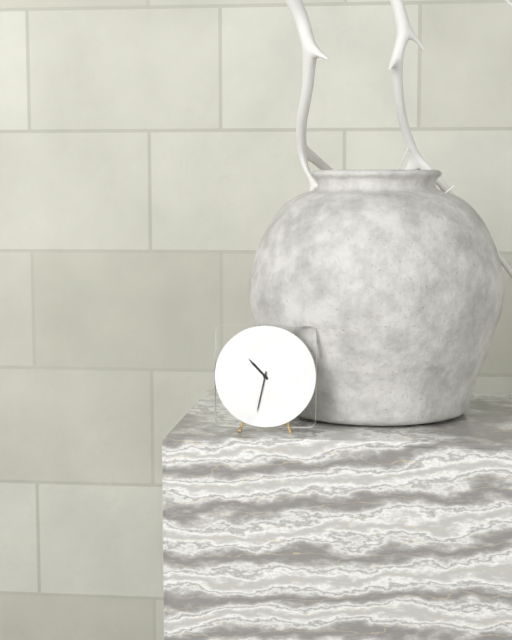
10:32
